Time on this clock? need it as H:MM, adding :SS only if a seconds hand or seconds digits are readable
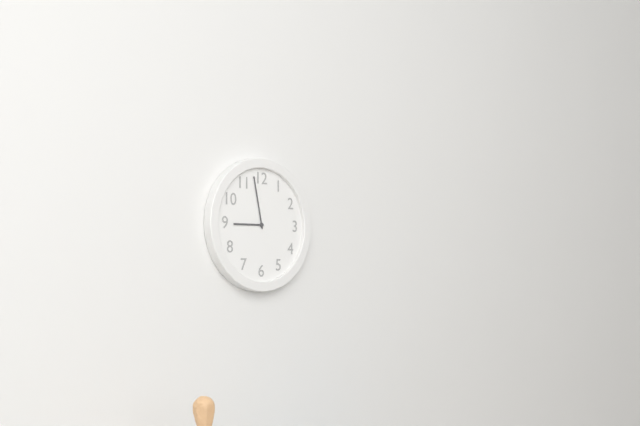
8:58
